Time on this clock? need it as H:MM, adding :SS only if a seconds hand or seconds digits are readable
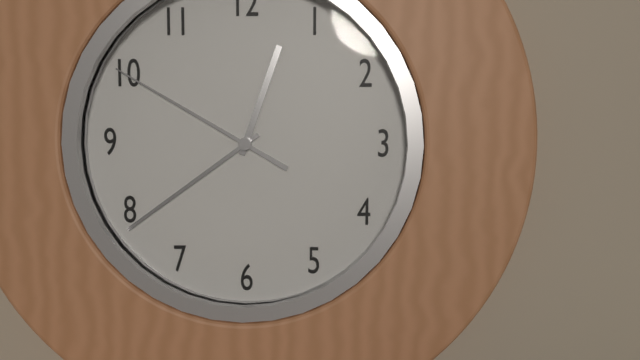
12:39:50
